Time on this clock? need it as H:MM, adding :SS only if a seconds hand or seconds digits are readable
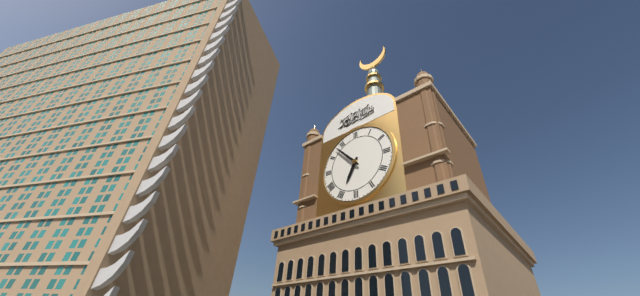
6:53
